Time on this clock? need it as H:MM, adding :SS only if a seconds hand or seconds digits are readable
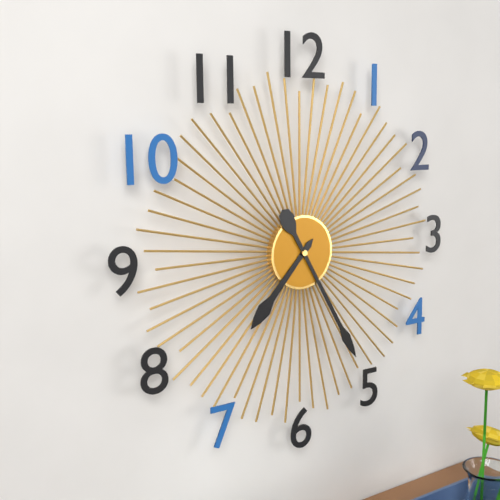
7:25
